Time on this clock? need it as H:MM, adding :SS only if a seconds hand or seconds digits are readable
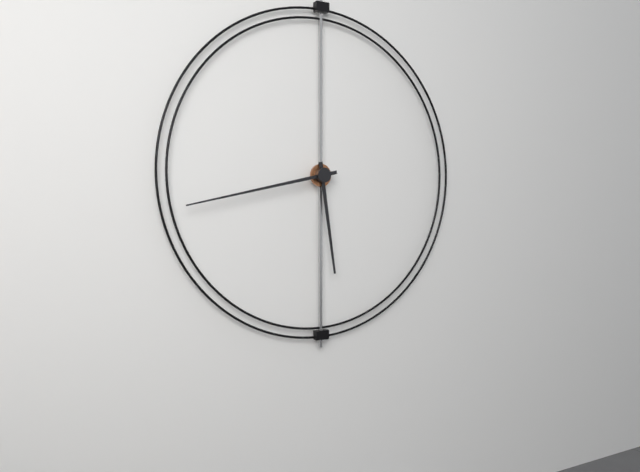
5:43
